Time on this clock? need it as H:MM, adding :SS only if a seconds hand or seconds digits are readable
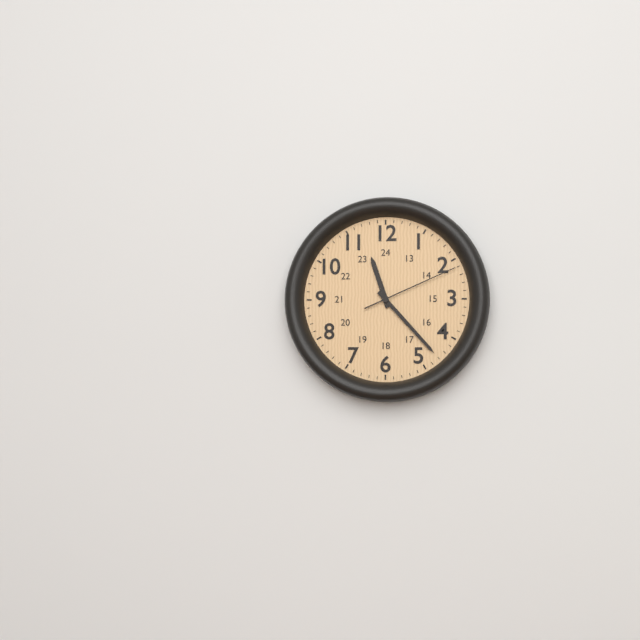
11:23:11
